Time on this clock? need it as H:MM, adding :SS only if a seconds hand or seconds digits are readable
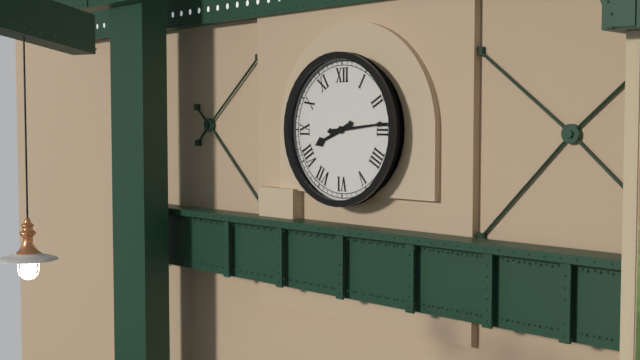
8:14
